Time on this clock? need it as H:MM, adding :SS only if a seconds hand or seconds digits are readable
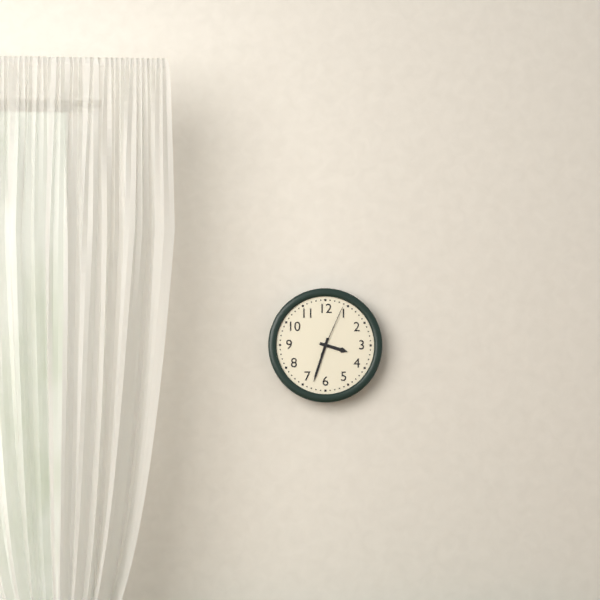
3:33:04
